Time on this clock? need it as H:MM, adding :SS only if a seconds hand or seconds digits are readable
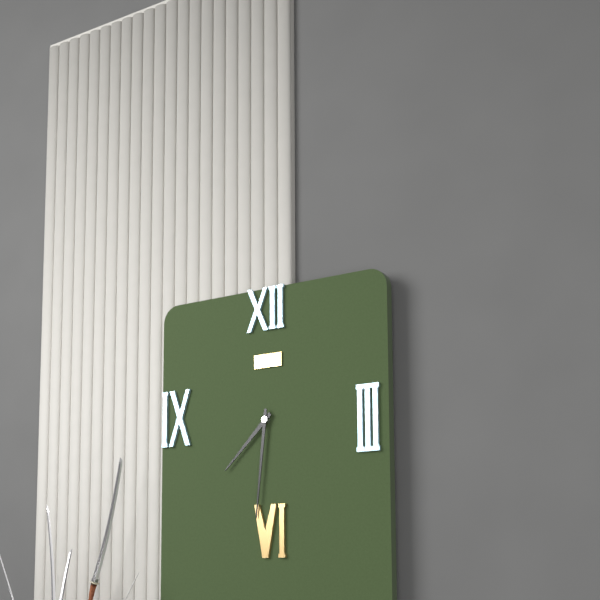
7:31
